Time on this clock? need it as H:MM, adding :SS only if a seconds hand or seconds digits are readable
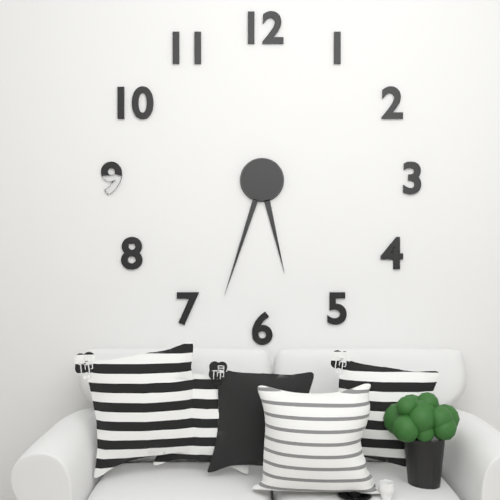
5:33
